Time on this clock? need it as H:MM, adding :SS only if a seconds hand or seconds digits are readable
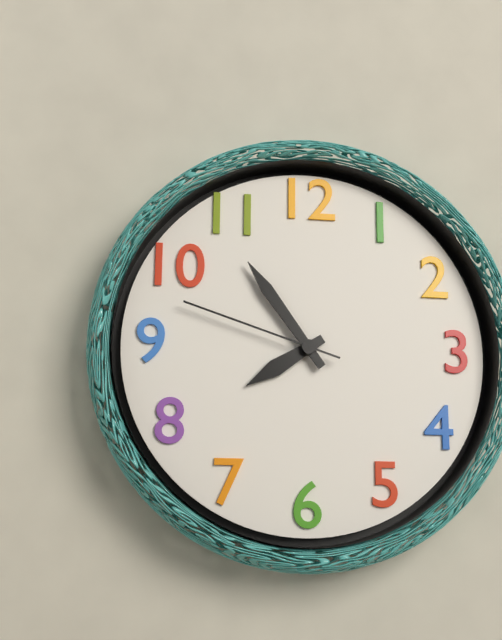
7:54:48
